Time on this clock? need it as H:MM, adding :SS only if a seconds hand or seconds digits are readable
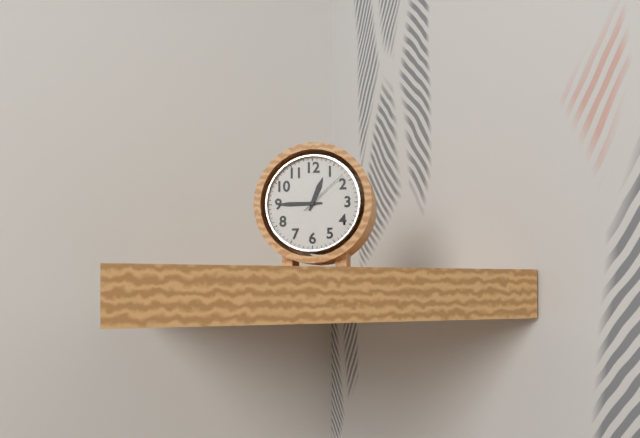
12:45:08
